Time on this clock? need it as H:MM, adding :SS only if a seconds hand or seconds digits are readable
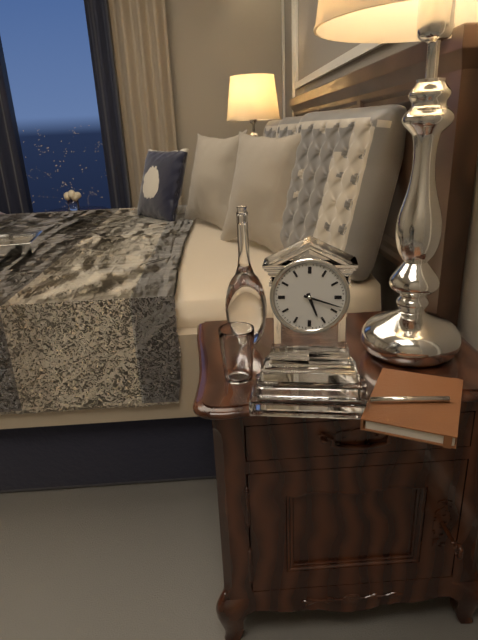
5:18
